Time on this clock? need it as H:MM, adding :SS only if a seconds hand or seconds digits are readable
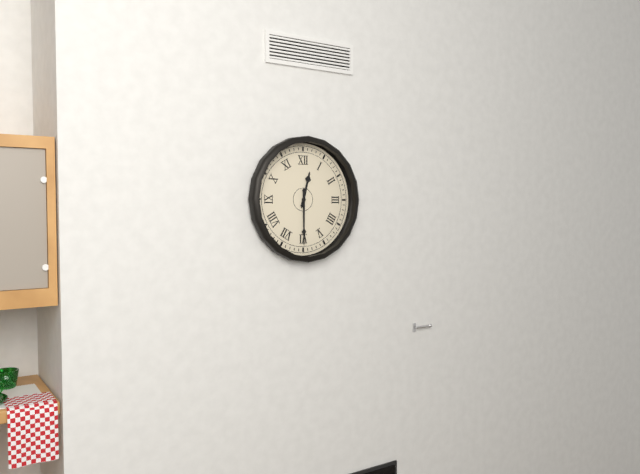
12:30
